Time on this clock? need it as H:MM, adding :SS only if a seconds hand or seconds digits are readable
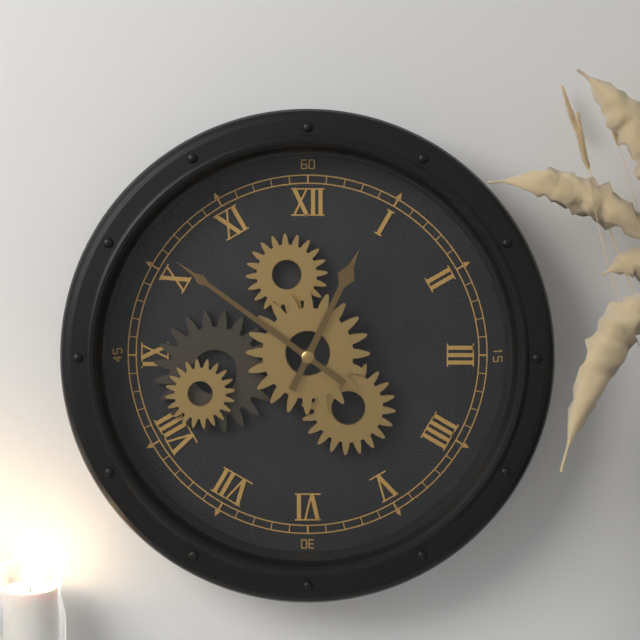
12:51
